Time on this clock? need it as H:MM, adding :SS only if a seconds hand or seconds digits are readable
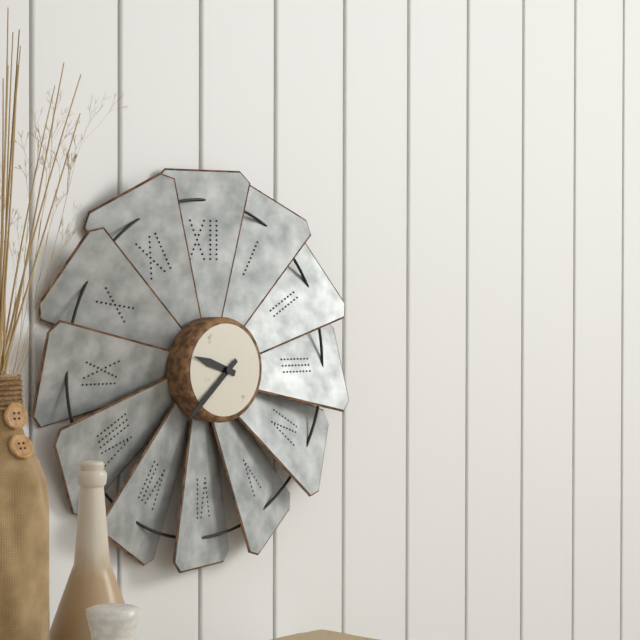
9:38
